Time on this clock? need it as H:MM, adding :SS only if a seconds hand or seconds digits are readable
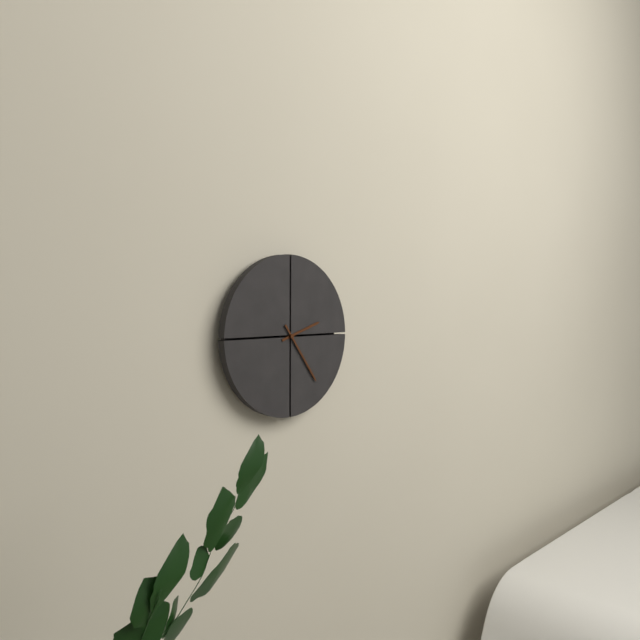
2:24
